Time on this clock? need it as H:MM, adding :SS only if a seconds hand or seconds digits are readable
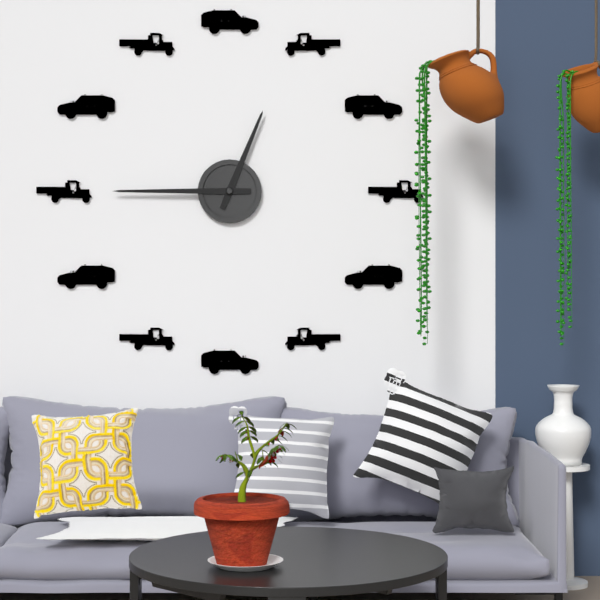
12:45
